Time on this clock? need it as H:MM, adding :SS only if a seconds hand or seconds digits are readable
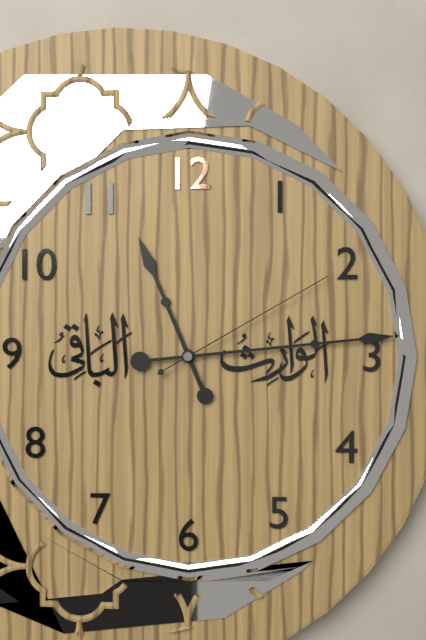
11:14:10
